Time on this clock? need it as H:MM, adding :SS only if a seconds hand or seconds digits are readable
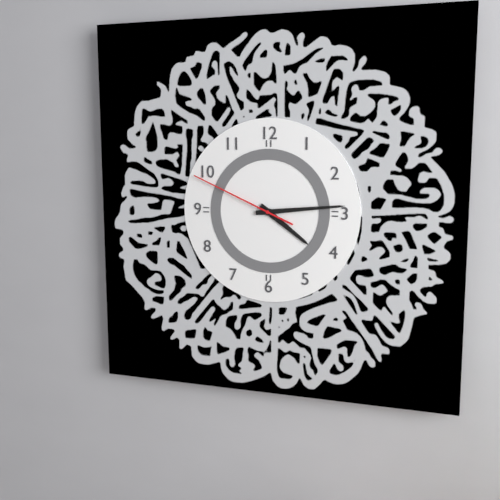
4:14:49
